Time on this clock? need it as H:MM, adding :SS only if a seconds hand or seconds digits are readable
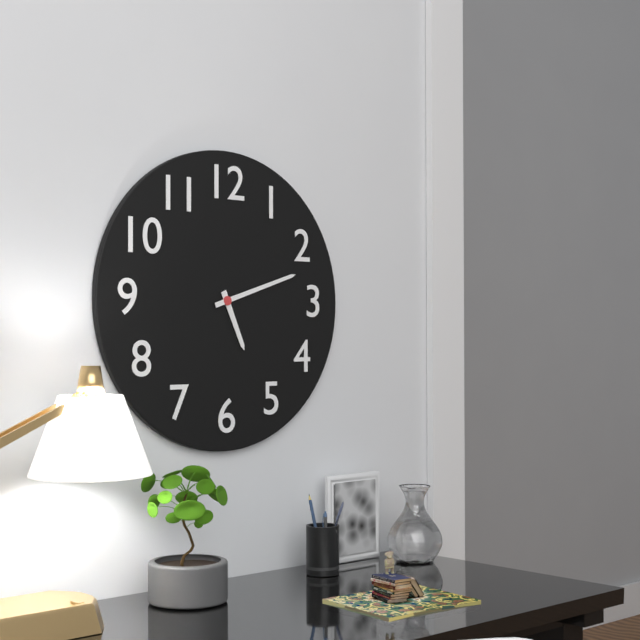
5:12
